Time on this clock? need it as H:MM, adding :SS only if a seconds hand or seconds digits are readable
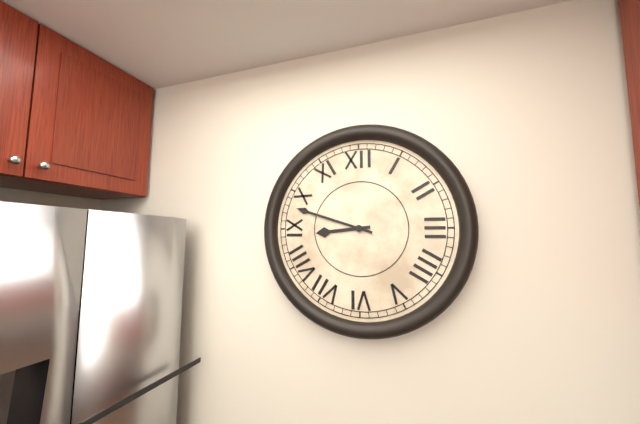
8:48
